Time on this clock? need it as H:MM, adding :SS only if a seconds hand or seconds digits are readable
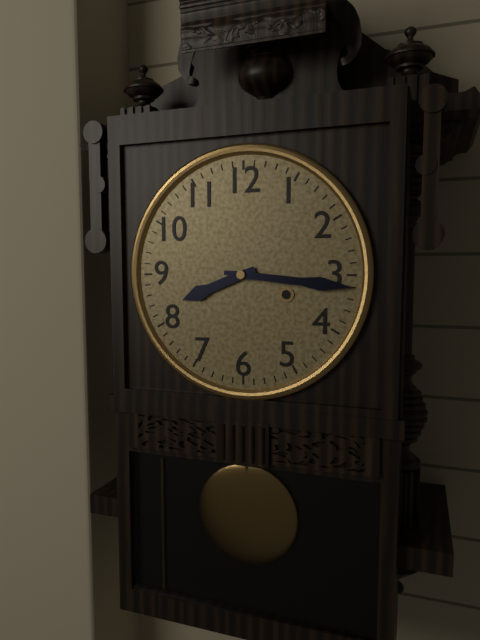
8:16
